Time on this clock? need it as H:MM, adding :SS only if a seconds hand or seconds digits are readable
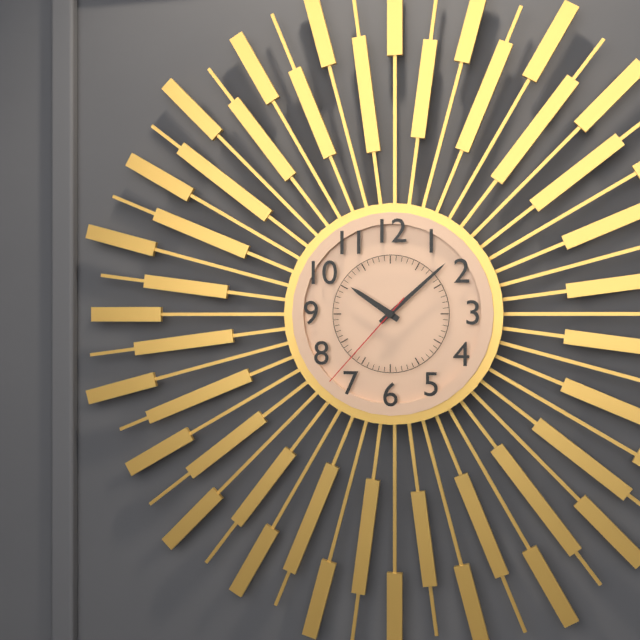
10:08:37
